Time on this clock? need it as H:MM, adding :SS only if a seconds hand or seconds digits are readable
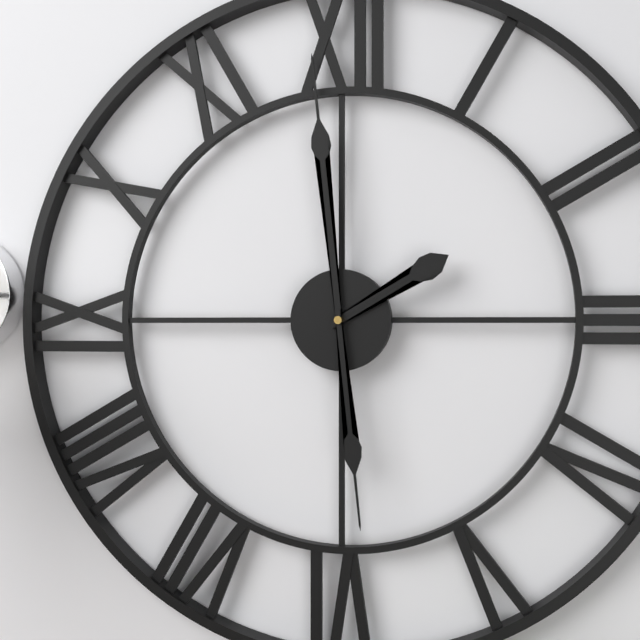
1:59:29
